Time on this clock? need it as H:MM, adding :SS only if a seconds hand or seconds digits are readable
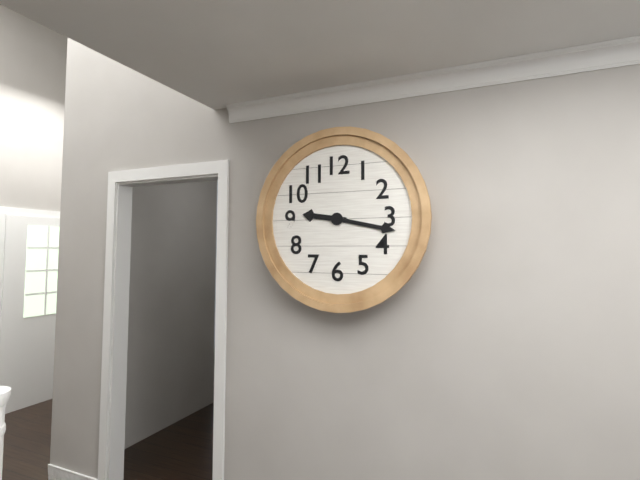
9:17
